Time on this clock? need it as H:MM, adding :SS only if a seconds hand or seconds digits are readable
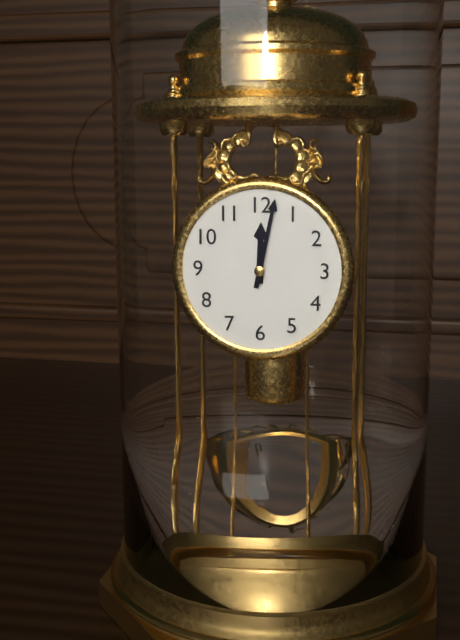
12:02
